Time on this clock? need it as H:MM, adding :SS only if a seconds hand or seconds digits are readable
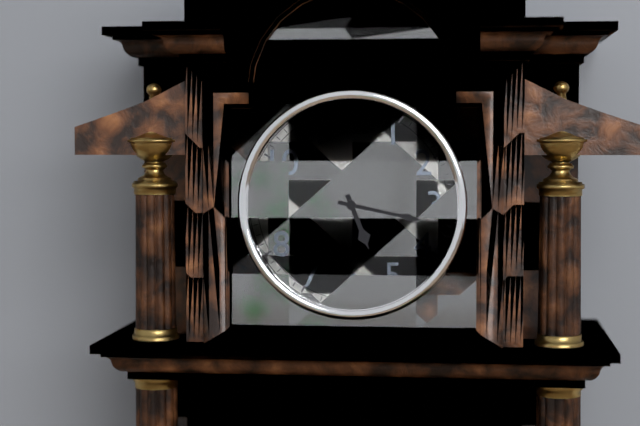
5:17
